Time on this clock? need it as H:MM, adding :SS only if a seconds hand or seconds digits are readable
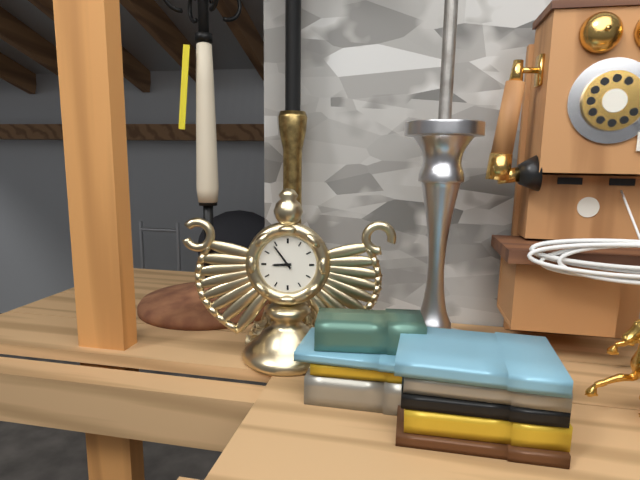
8:54
